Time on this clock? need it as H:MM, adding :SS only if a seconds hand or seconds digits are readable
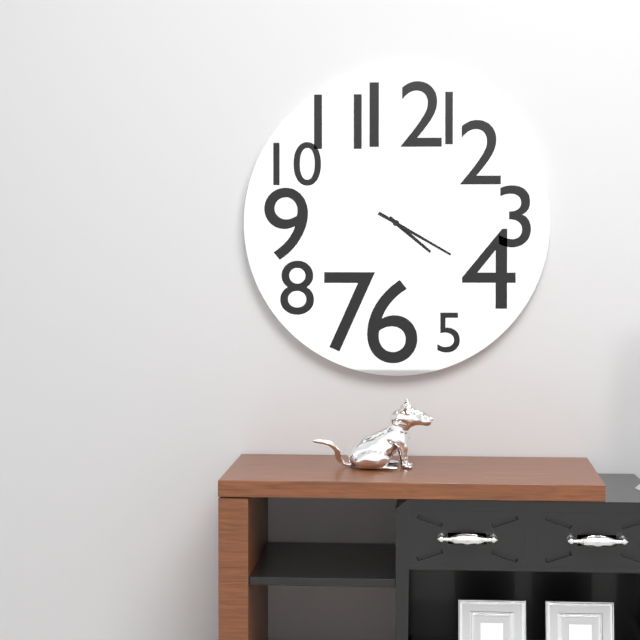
4:20
